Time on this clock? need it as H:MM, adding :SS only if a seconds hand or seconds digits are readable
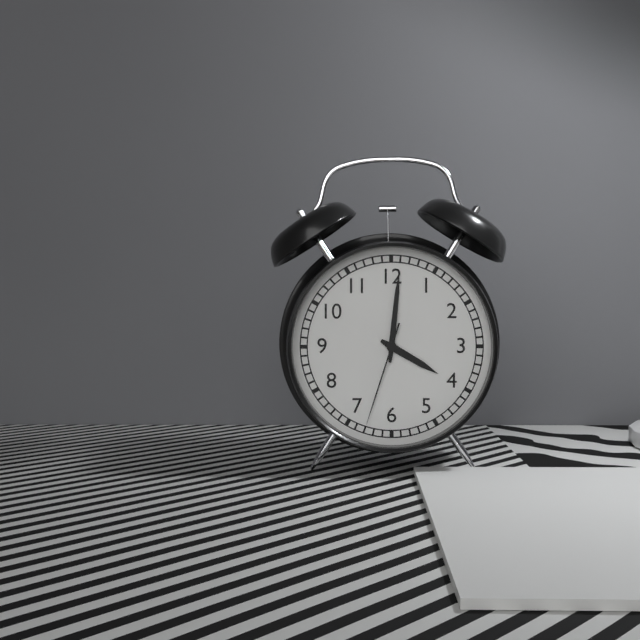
4:01:33
